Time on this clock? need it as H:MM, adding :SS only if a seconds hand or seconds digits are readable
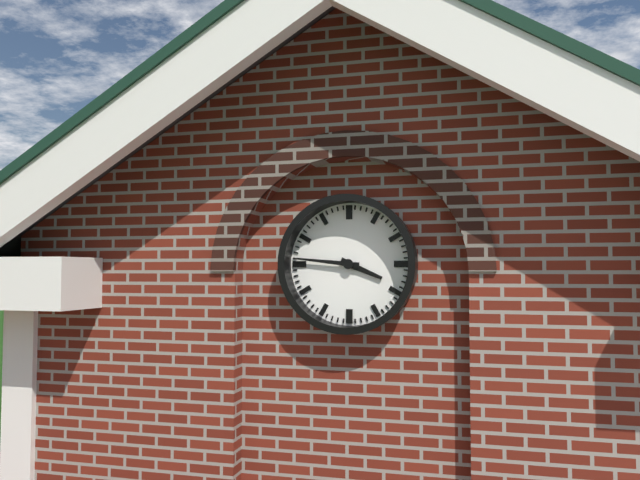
3:46
